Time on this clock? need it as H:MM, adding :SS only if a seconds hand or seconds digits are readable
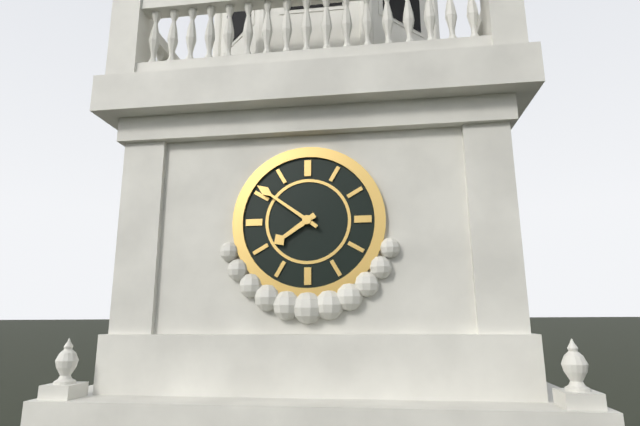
7:51
